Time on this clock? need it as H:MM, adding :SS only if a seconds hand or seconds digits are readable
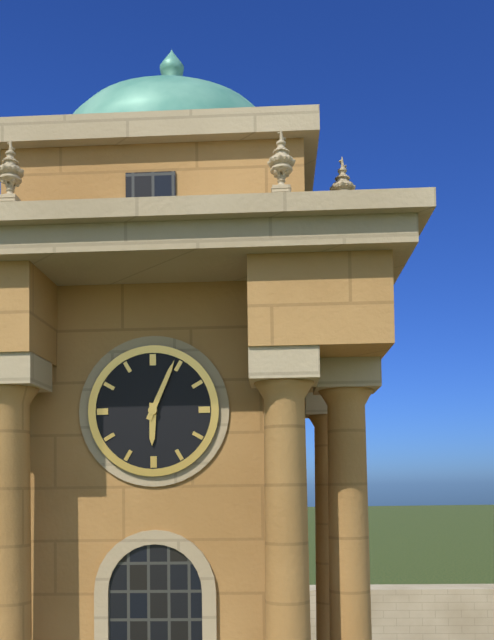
6:04
